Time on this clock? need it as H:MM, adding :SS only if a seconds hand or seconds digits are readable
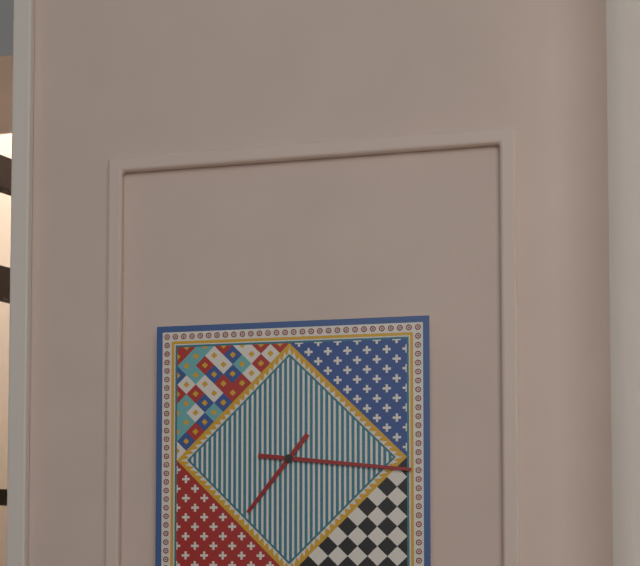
7:16
